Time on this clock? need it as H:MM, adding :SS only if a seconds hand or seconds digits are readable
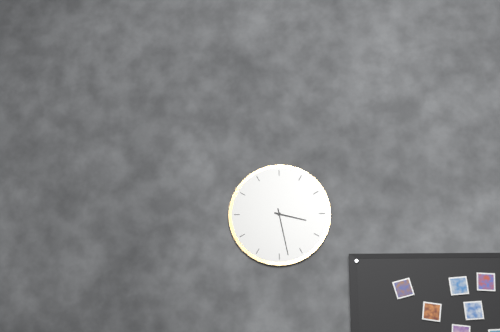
3:28
